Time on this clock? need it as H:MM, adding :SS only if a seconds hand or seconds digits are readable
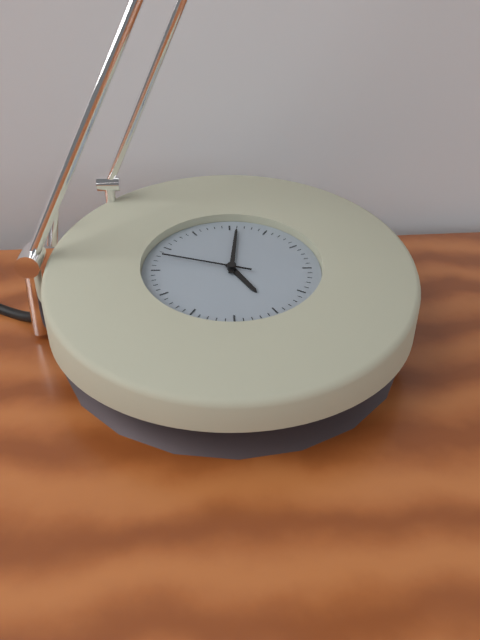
5:01:48
